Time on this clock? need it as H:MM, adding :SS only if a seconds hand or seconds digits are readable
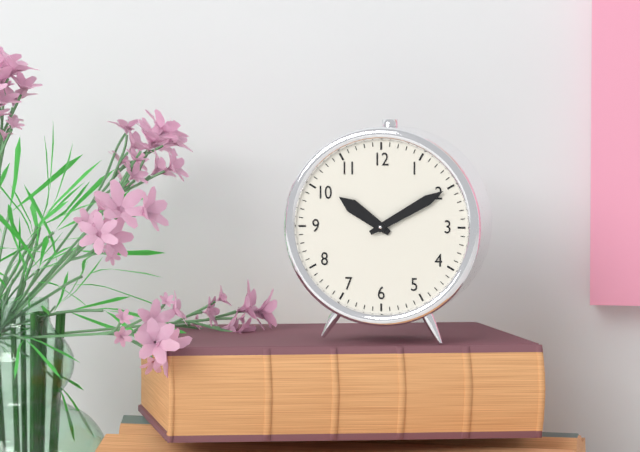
10:10
